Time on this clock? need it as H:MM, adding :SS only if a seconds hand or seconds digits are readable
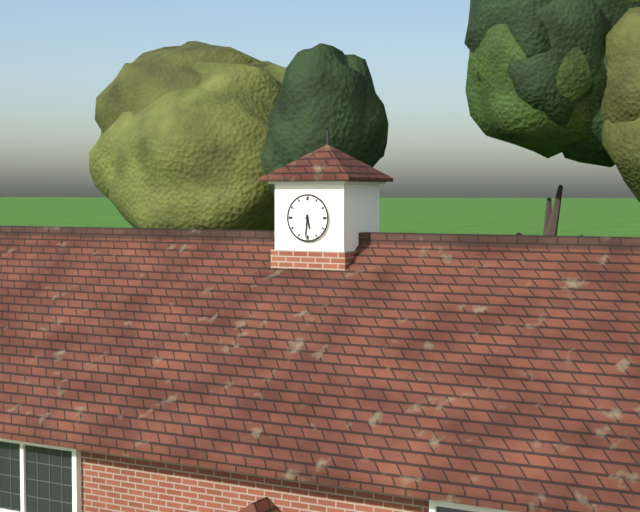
5:31
